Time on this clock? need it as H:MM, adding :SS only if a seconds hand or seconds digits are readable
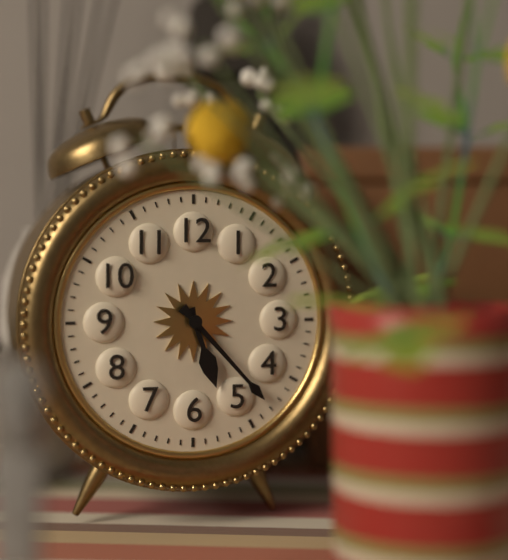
5:23
